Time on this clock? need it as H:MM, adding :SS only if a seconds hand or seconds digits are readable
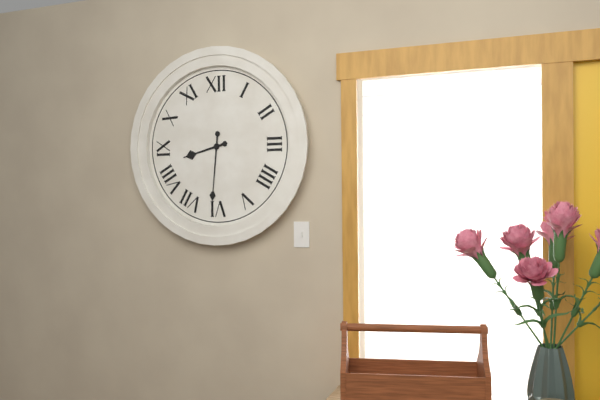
8:31
